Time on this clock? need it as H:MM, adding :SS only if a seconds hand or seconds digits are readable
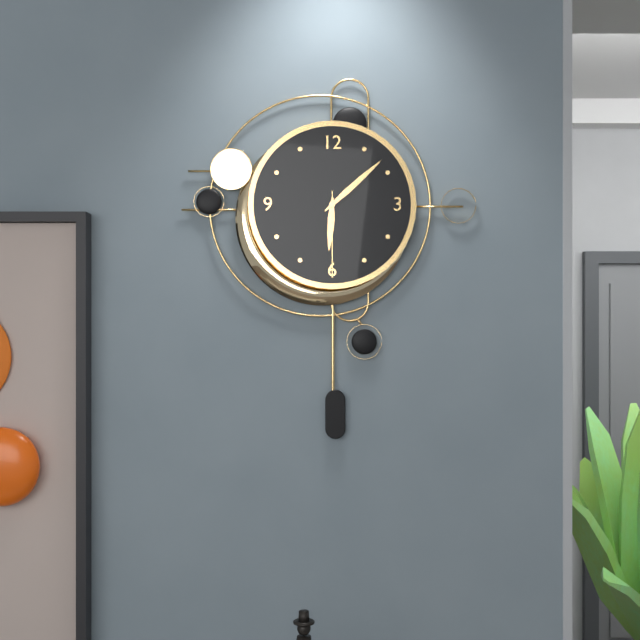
6:08:30
